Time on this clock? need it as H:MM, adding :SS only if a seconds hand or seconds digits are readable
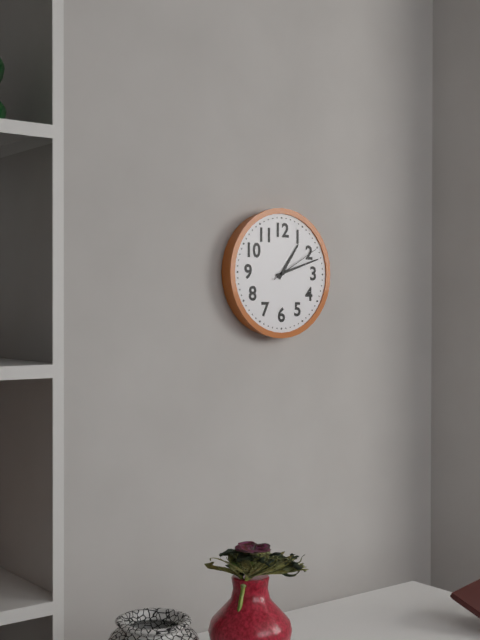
1:12:10
